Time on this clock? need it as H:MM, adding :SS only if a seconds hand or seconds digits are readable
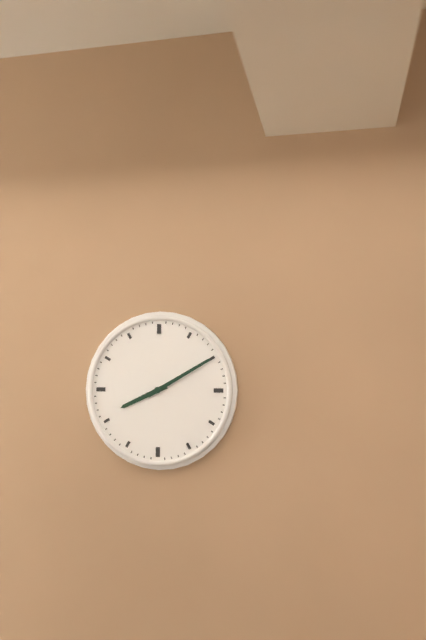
8:10
